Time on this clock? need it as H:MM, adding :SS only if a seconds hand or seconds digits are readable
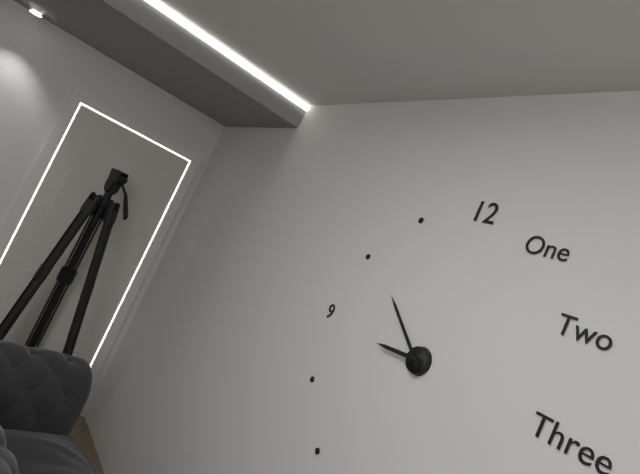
8:51
